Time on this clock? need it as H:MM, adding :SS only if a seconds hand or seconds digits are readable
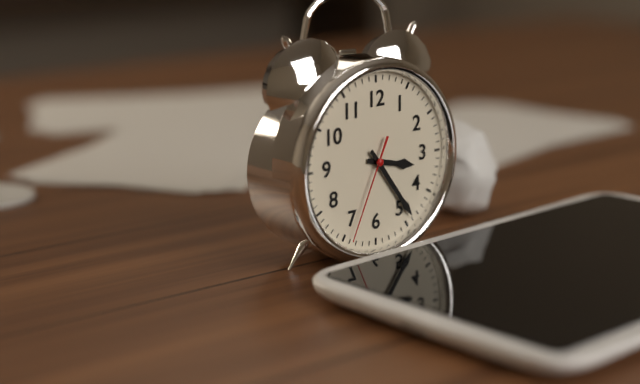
3:24:34
